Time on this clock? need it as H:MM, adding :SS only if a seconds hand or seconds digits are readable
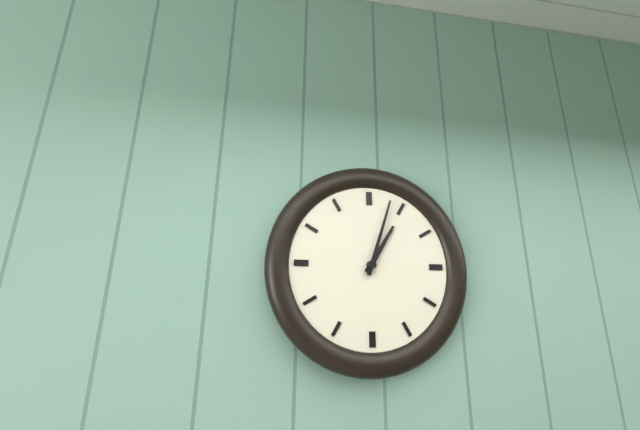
1:03
